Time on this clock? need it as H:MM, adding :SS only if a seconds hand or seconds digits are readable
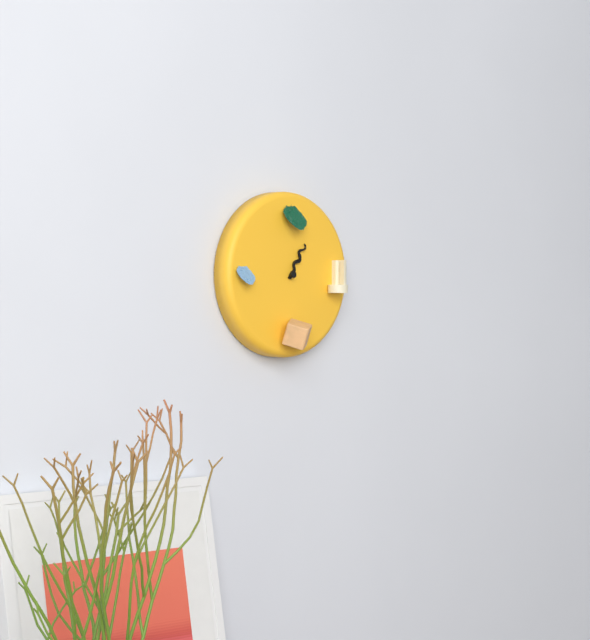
1:05
